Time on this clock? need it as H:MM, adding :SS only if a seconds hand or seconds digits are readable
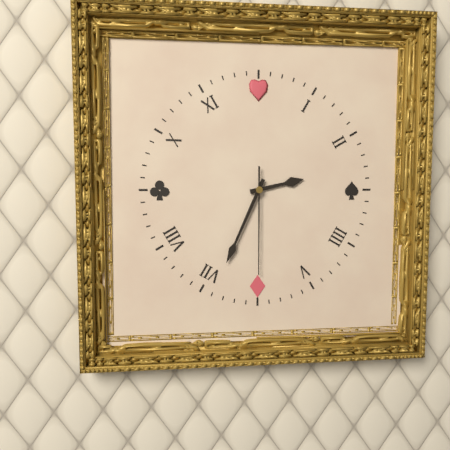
2:34:30
